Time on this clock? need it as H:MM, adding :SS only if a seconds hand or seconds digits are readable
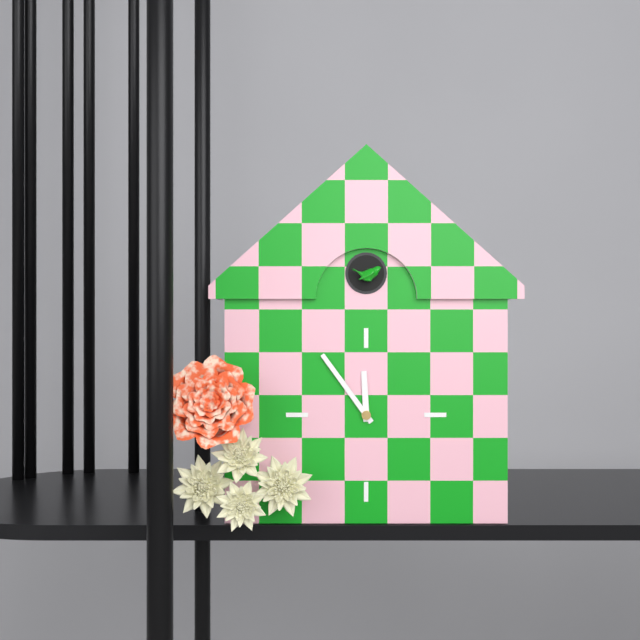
11:54
